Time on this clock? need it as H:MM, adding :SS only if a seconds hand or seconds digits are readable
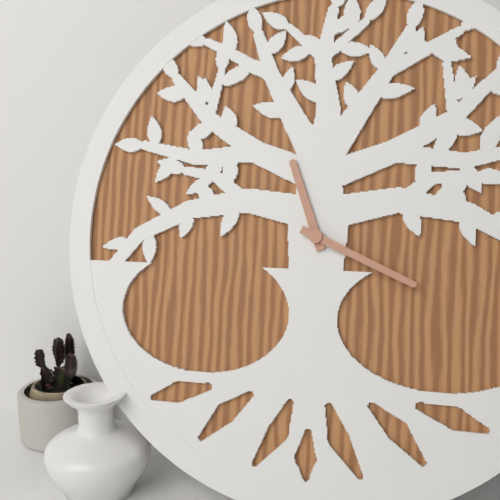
11:19
